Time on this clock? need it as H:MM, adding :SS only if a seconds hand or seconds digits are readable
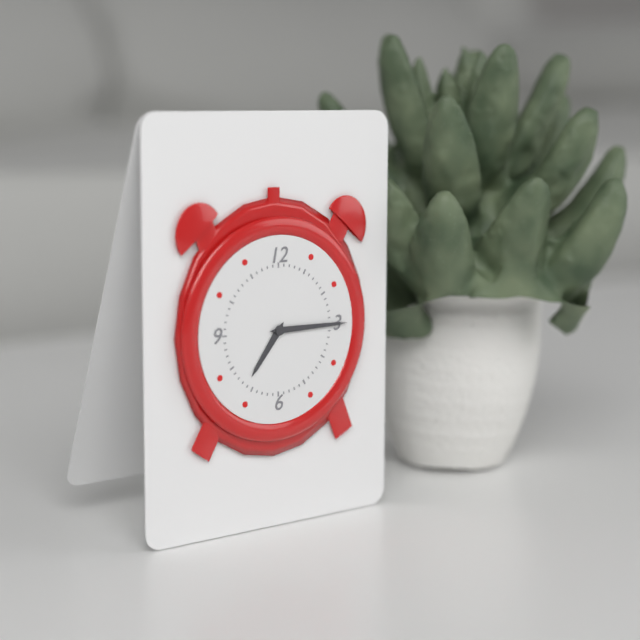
7:15
